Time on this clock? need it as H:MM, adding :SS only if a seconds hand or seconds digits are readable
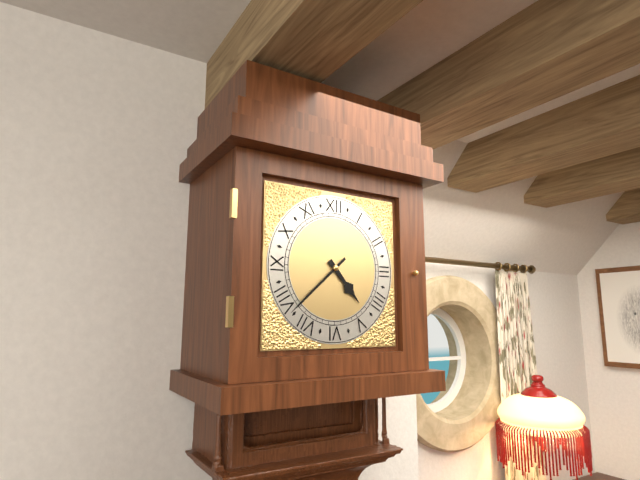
4:38
